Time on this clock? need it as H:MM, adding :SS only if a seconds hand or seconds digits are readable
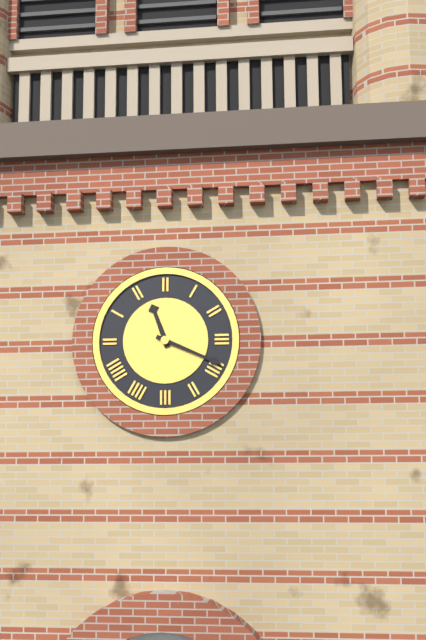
11:19
